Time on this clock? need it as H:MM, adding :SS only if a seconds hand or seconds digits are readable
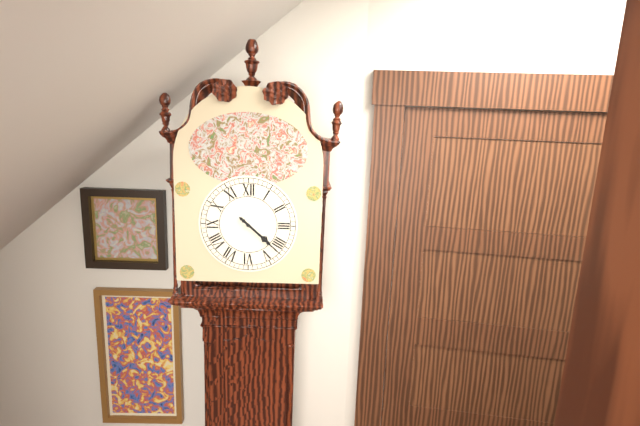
4:22
